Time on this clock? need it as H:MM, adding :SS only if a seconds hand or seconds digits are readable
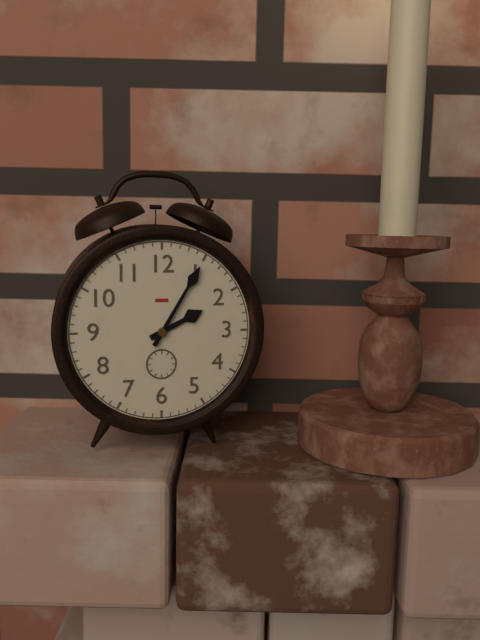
2:05
